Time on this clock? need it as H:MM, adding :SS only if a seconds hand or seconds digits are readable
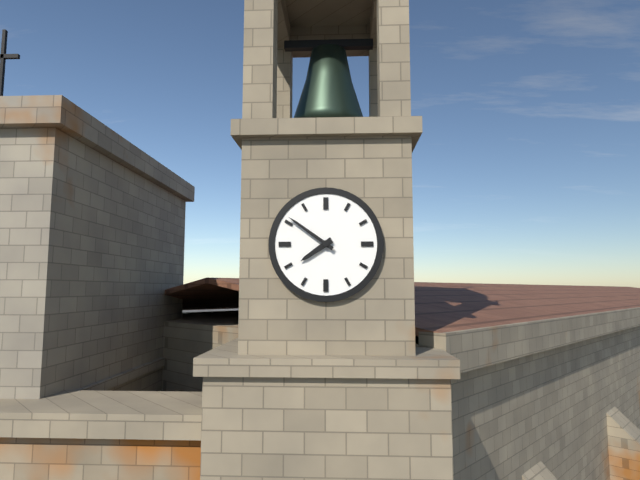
7:51
